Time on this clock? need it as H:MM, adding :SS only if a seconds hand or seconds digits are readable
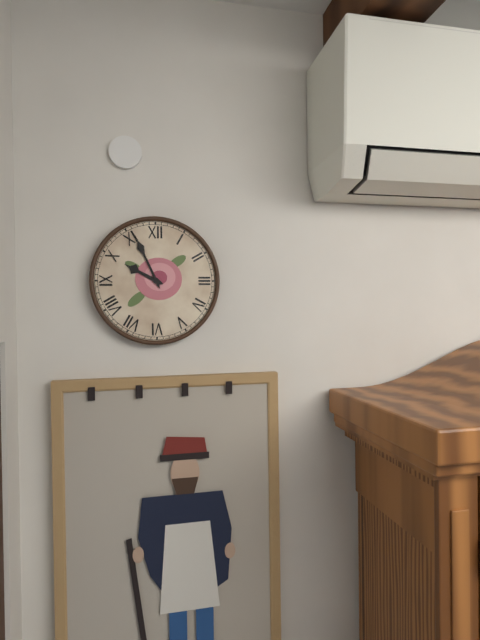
9:56
